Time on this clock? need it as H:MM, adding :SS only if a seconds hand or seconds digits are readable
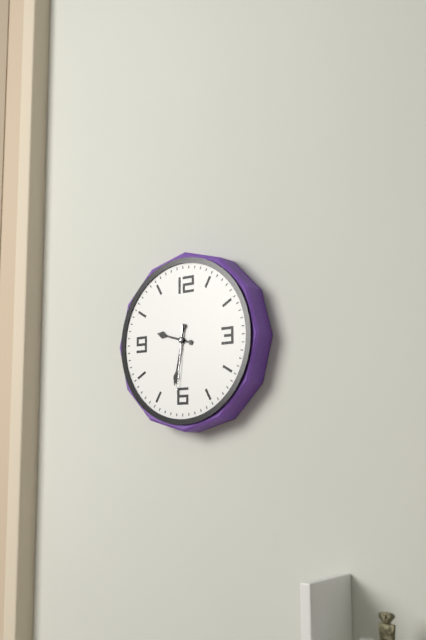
9:32:31
